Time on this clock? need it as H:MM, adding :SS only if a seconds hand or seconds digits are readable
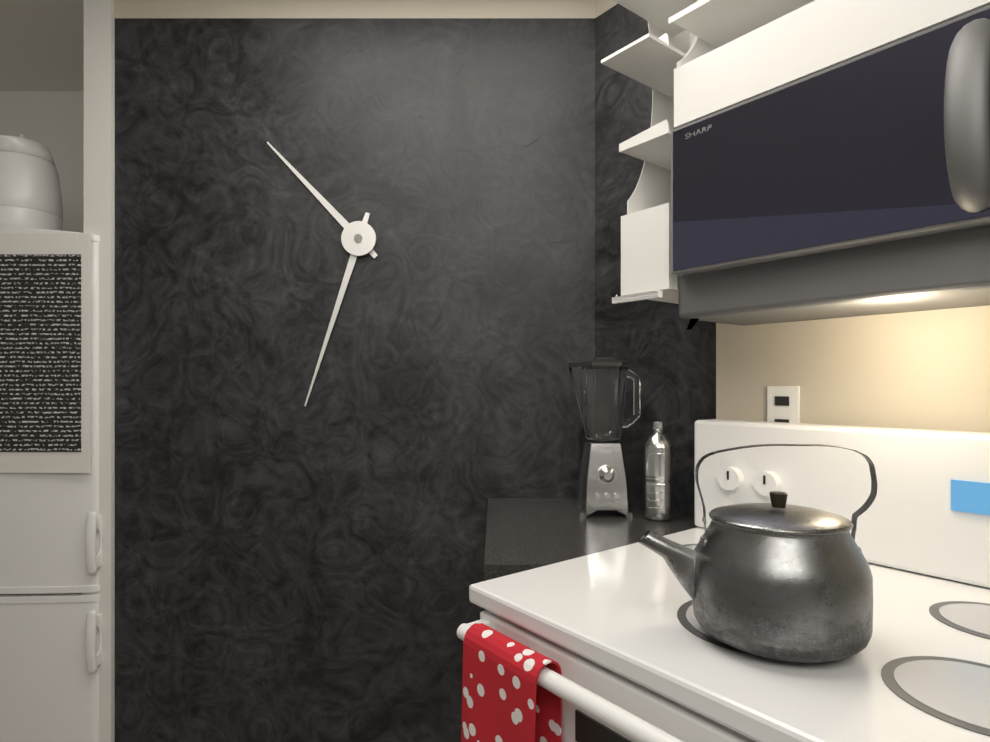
10:33
